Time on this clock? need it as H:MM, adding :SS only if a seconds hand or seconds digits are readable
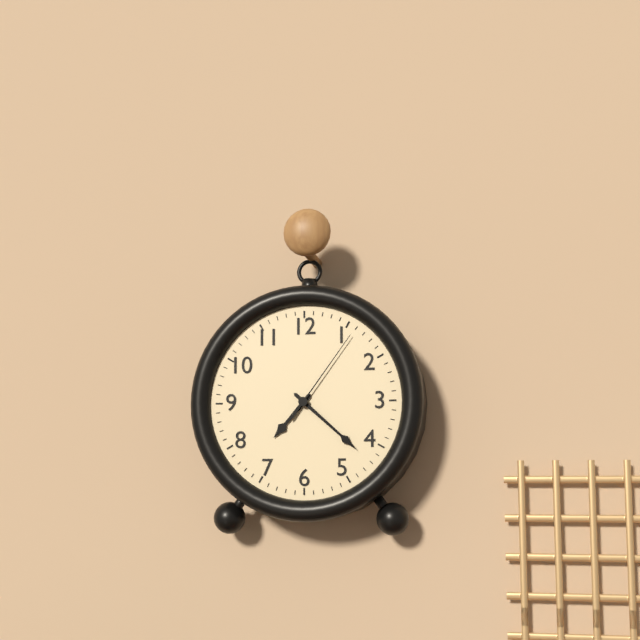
7:22:06
